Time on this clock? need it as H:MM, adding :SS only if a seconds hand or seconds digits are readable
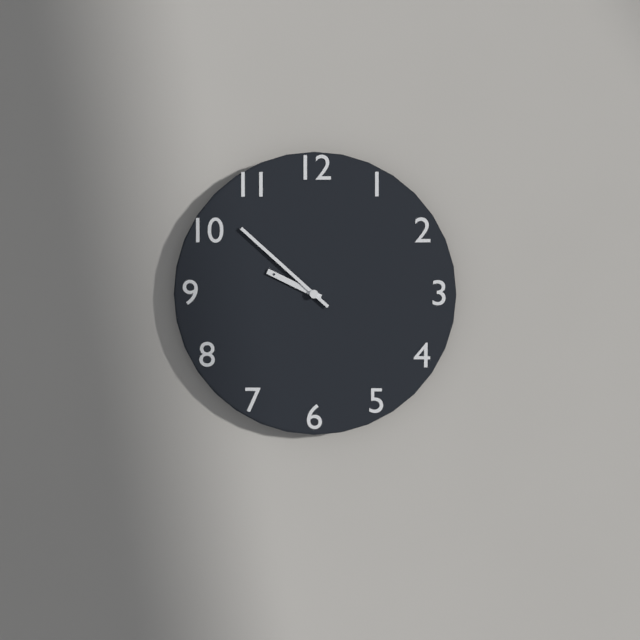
9:52
